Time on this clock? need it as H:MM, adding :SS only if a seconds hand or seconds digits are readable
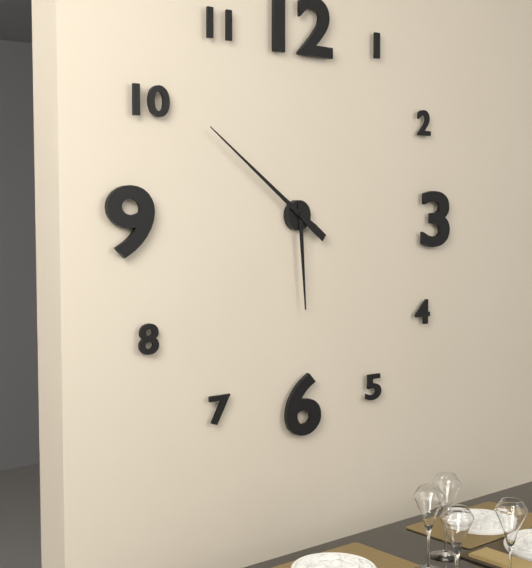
5:51
